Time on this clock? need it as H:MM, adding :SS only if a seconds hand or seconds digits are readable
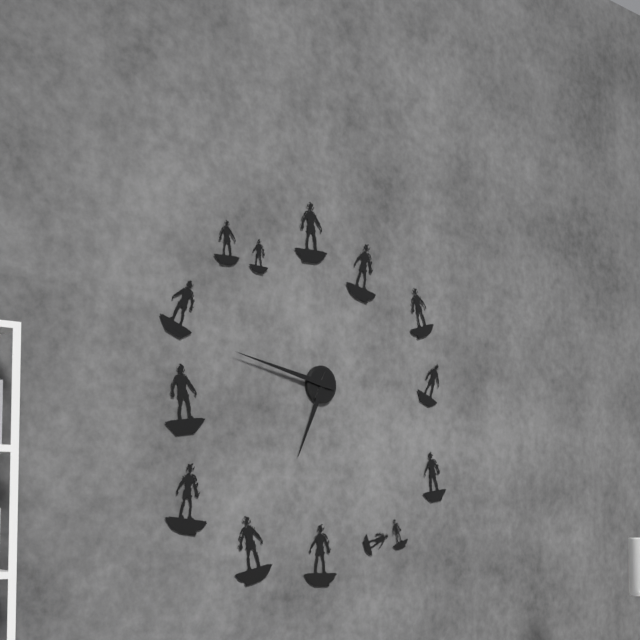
6:47
